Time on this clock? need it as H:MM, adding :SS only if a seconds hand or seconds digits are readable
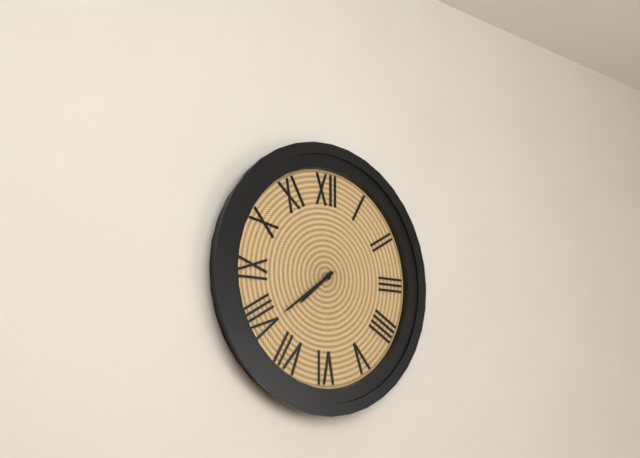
7:39
